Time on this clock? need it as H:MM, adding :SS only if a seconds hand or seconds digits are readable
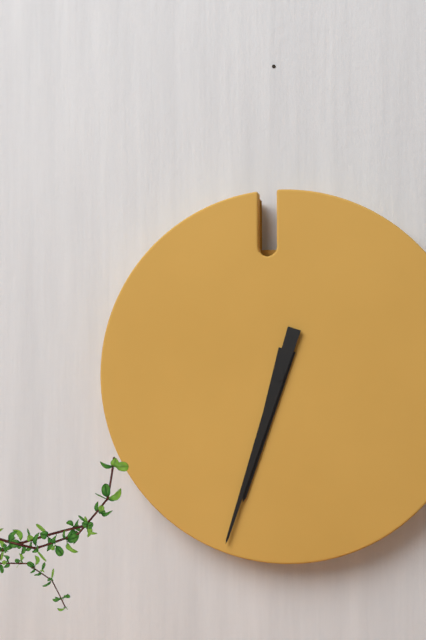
6:33
